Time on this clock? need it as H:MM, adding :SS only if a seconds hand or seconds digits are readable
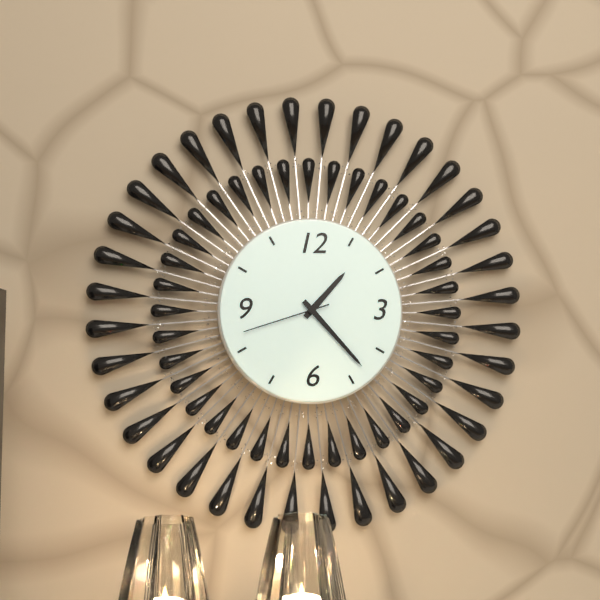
1:23:42
